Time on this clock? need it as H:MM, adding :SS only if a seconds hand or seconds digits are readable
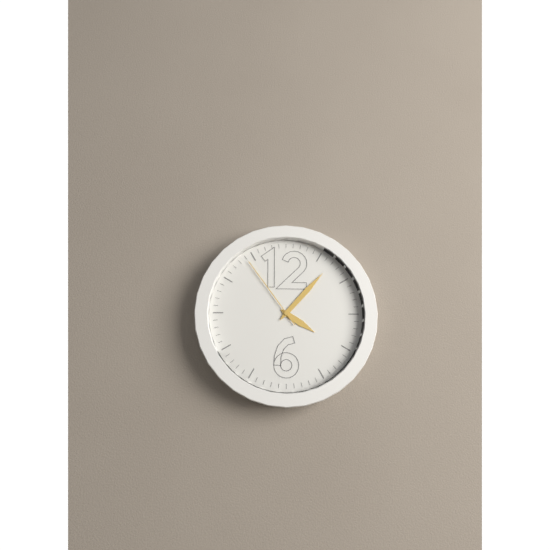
4:07:54
